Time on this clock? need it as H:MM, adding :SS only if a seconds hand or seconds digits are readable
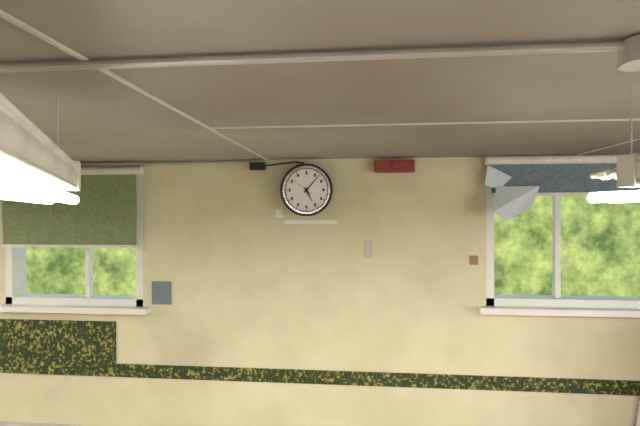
5:07
